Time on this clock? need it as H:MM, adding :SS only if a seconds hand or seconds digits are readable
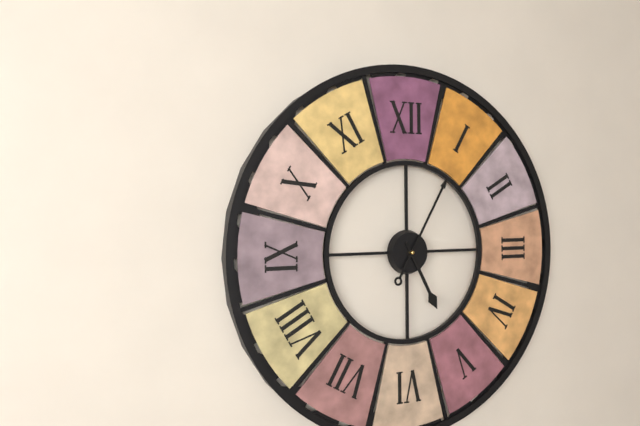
5:05
